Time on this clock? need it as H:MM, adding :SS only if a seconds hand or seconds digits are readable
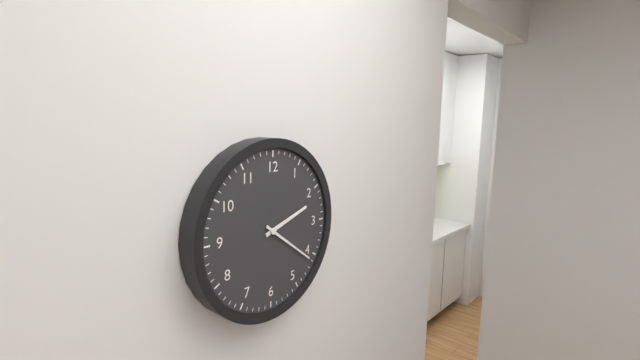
2:21
